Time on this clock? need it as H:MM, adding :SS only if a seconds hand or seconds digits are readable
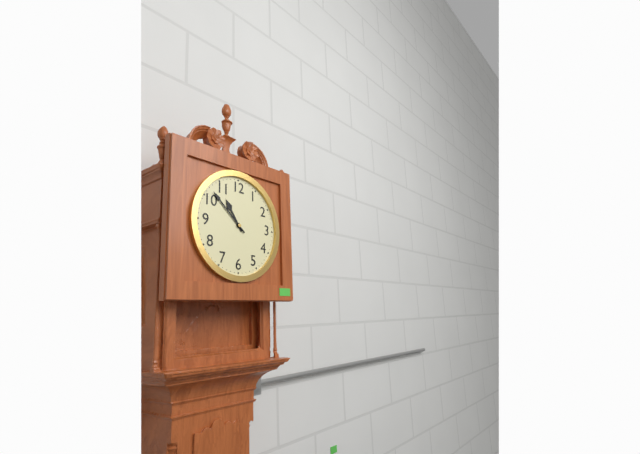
10:52
